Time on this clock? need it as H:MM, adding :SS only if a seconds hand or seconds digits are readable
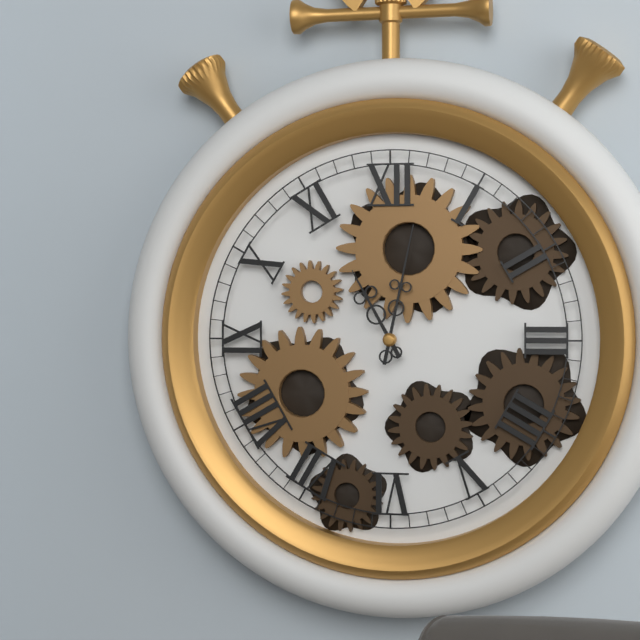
11:02
